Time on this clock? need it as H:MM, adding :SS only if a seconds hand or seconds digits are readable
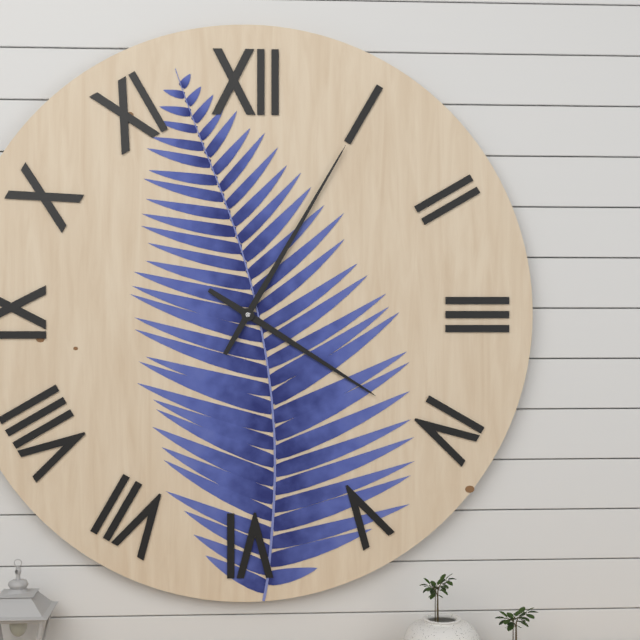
4:05
